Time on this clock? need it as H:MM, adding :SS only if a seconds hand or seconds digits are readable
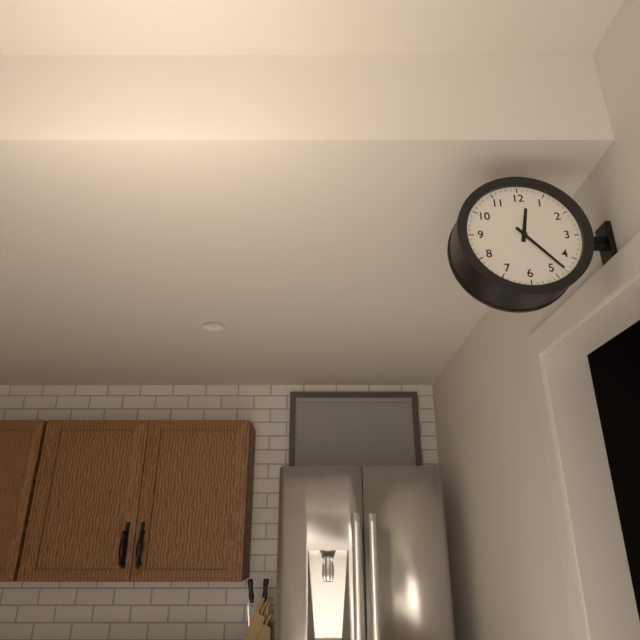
12:23
